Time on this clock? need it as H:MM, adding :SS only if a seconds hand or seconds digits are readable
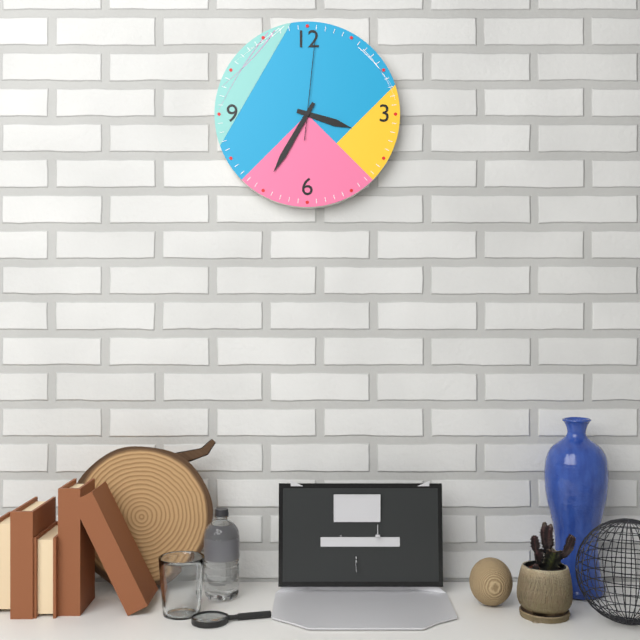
3:35:01
